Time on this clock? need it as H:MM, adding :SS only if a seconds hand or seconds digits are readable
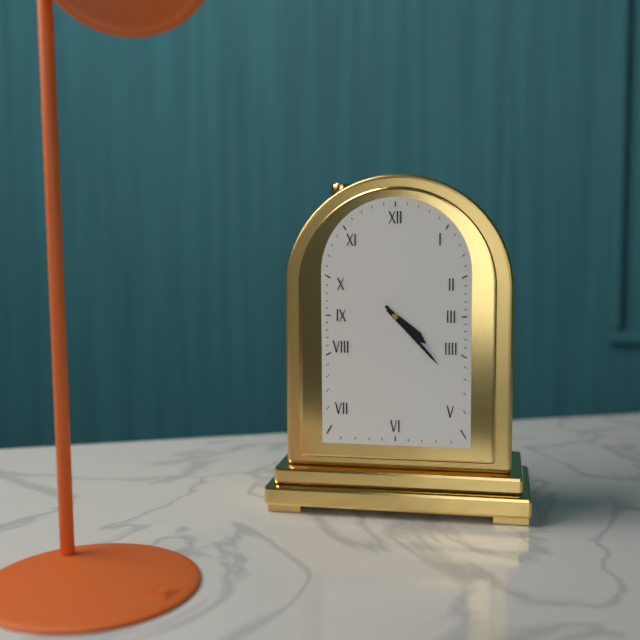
4:23
